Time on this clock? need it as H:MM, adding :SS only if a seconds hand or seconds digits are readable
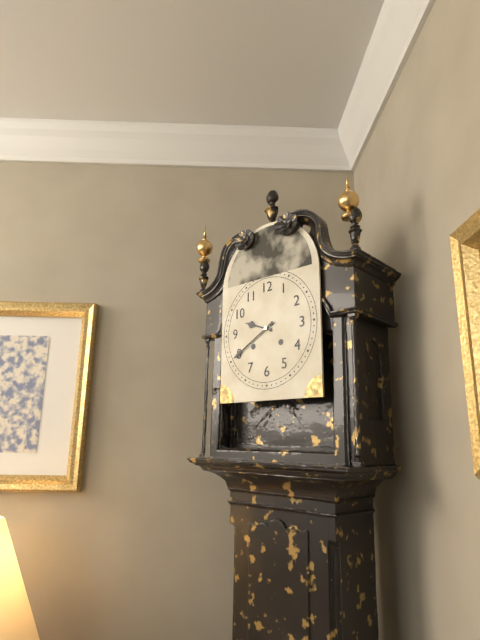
9:40
